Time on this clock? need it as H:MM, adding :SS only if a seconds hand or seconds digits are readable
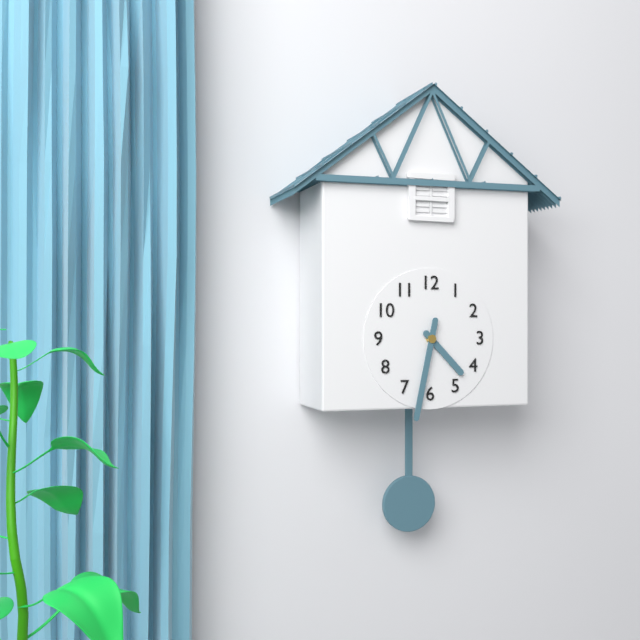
4:32
